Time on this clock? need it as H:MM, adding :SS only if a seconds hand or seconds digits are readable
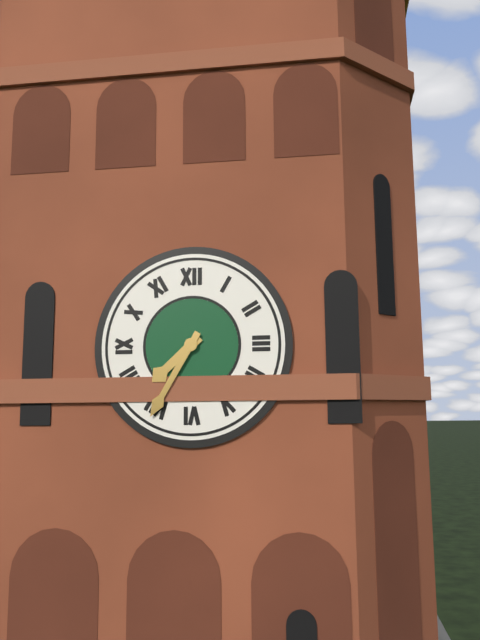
7:35
